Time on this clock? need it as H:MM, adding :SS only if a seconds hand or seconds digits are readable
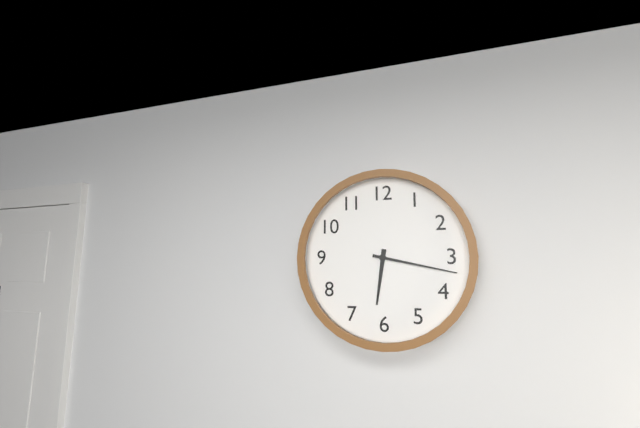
6:17
